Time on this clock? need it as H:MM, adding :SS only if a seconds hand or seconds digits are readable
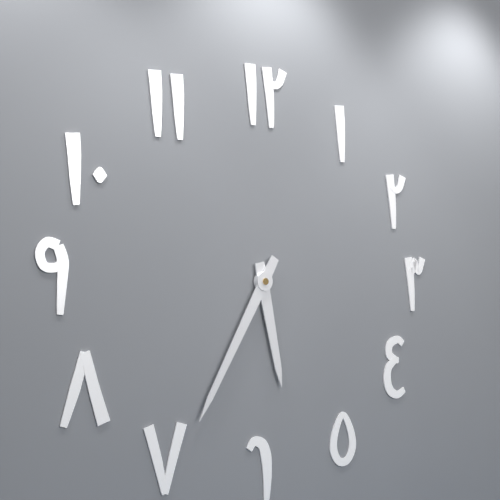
5:35
